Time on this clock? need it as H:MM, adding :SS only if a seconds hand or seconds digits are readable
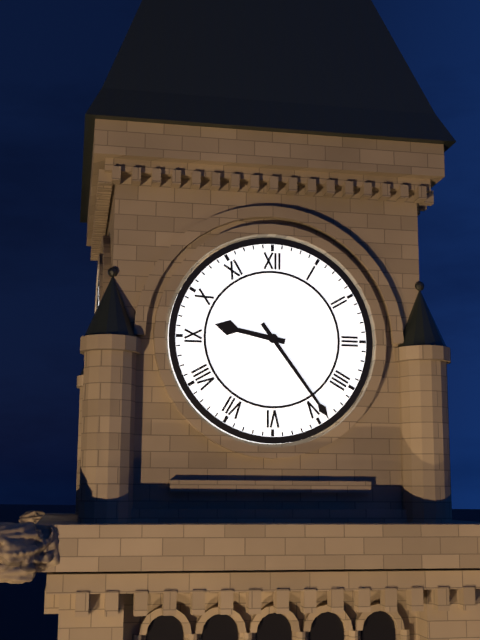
9:24
